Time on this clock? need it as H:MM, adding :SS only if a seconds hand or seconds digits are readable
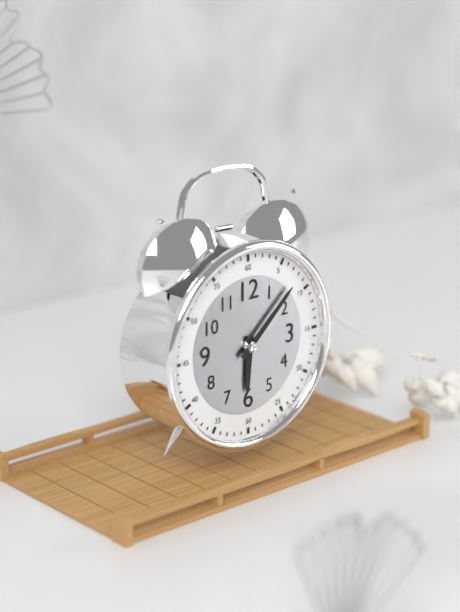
6:08
